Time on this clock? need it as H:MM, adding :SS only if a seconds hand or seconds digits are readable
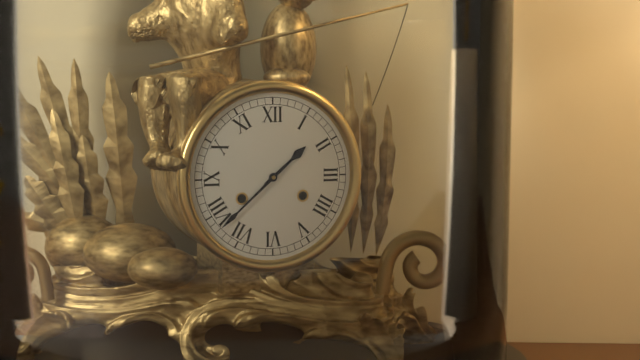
1:38
